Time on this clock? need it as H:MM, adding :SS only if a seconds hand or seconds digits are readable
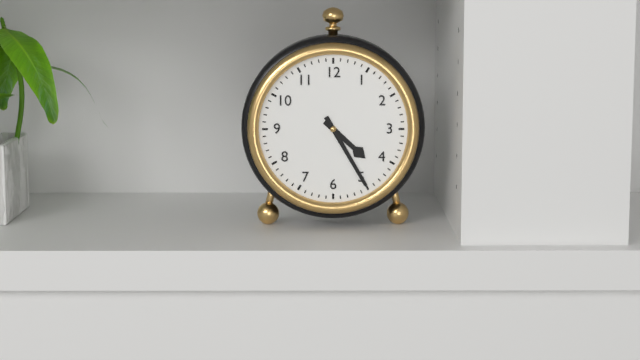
4:25
